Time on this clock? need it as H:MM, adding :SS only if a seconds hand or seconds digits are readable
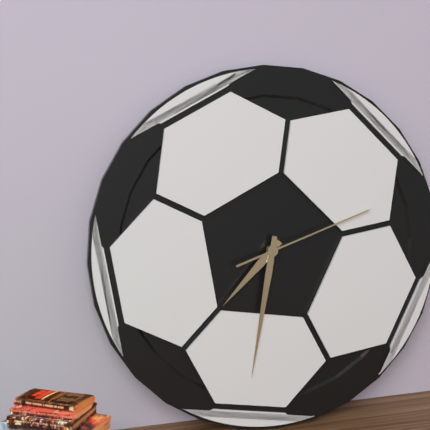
7:32:12
